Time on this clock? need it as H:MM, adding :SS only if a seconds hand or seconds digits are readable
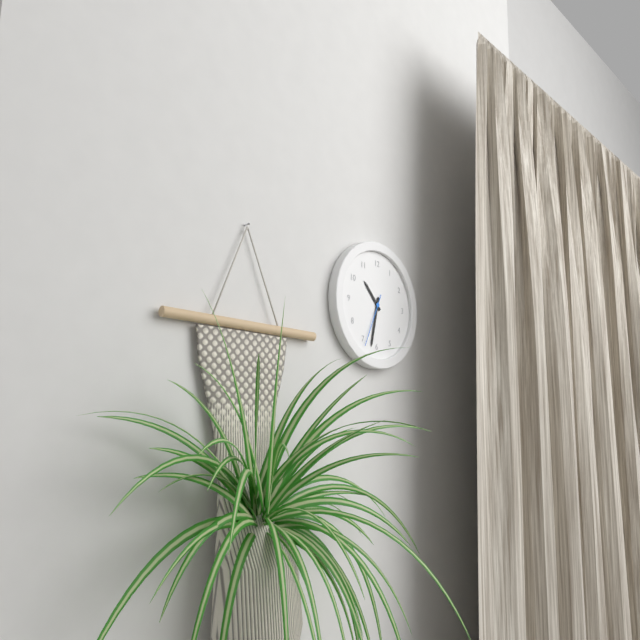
10:32:34
